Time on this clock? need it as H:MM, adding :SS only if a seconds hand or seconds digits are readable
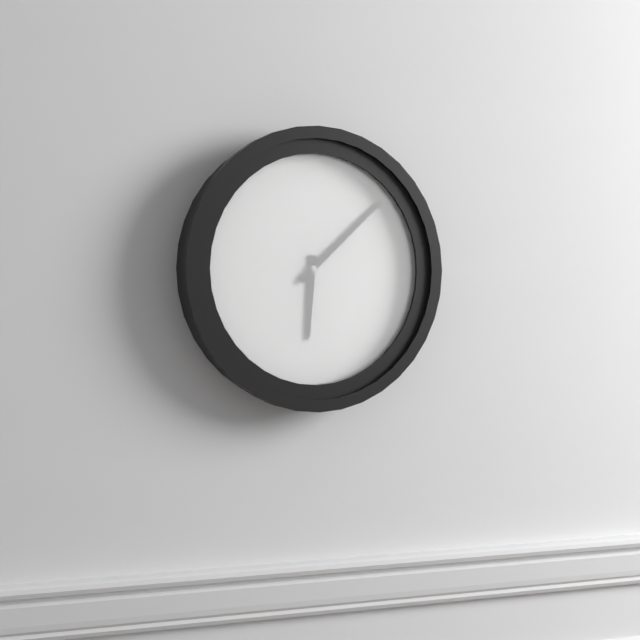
6:08
